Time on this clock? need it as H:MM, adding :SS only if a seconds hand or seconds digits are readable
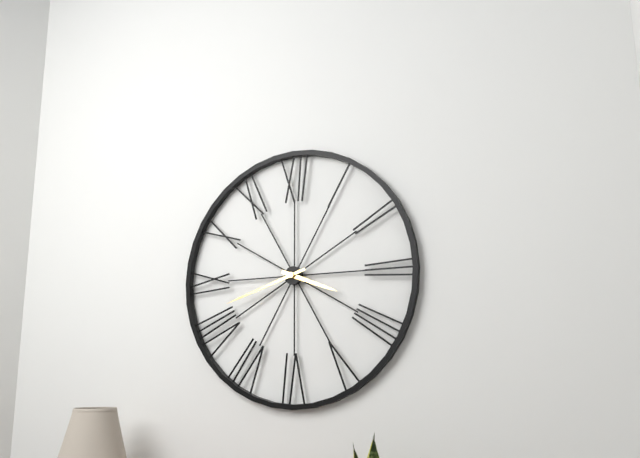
3:42
